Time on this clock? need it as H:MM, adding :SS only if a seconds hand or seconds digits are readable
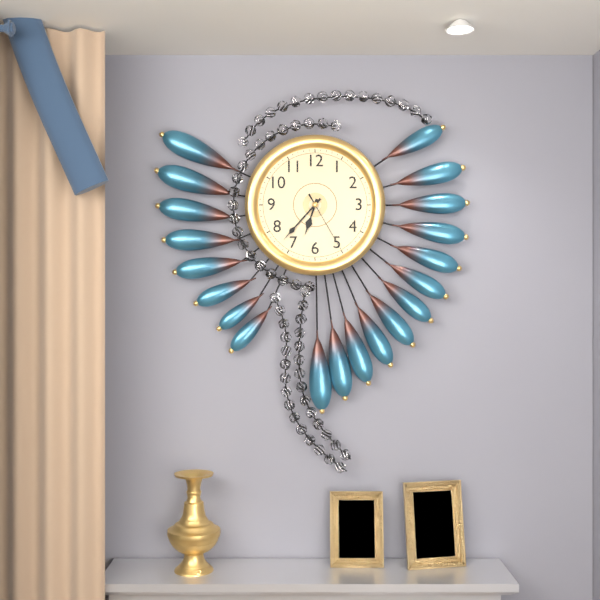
6:37:25
